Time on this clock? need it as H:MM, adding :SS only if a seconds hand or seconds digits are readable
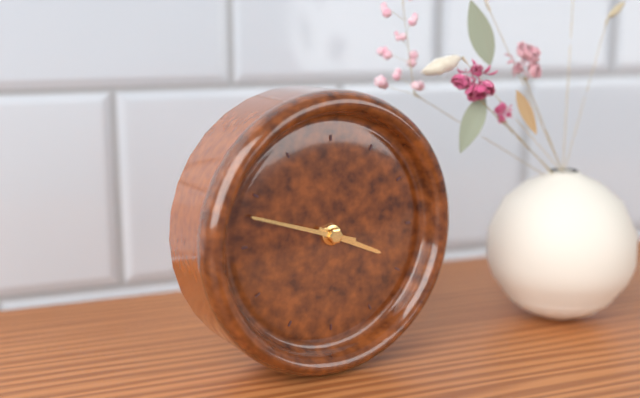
3:48
